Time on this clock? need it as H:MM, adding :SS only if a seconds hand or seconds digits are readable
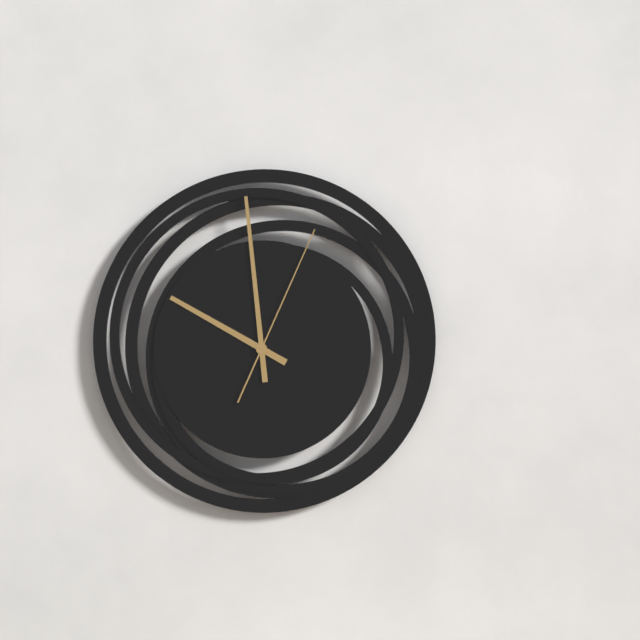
9:59:04
